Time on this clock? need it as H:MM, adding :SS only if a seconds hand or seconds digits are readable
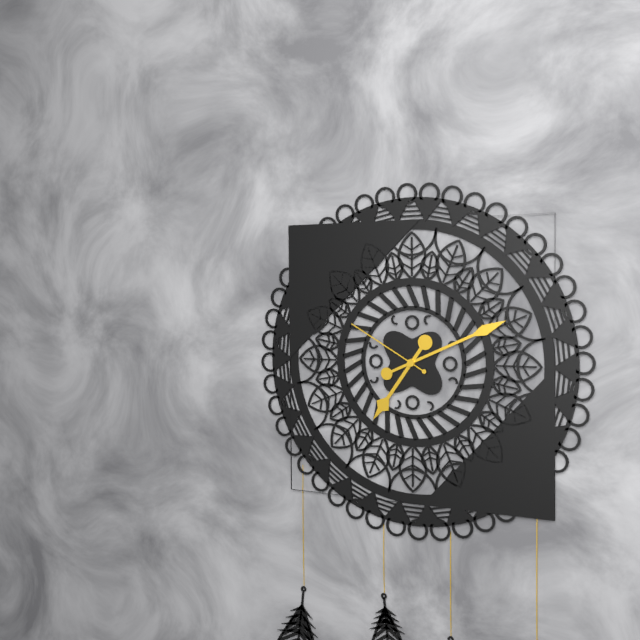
7:11:50
